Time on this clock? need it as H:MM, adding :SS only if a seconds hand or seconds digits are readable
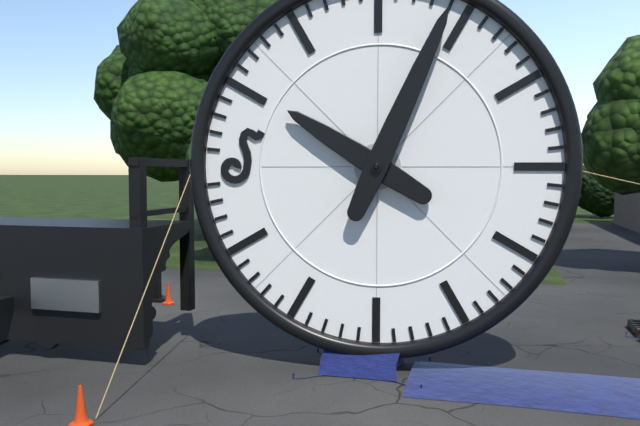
10:04
